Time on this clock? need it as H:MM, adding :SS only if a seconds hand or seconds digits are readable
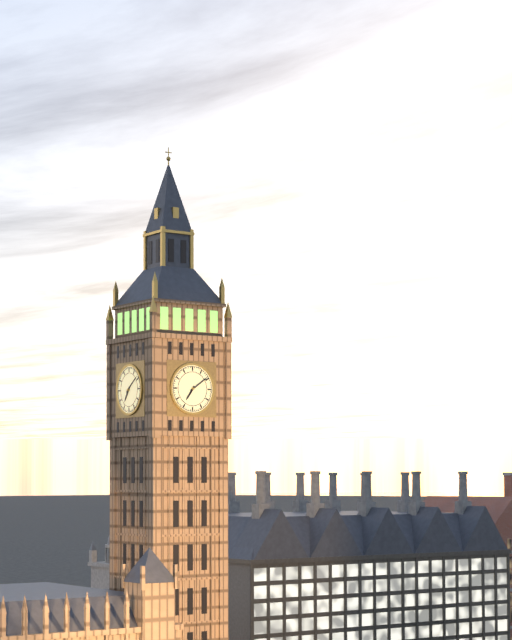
7:09
